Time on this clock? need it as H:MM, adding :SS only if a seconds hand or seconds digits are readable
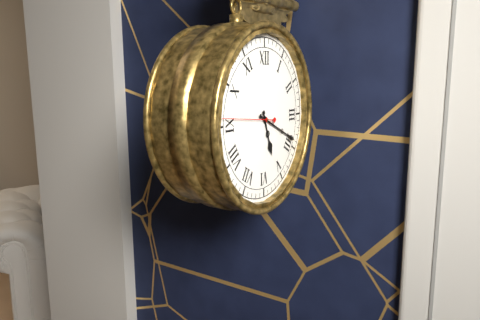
5:19:46
